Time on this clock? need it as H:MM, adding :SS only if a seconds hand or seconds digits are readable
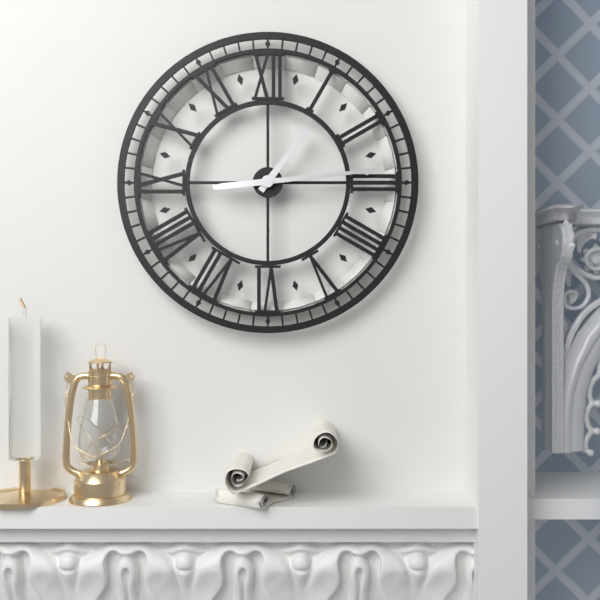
1:14
